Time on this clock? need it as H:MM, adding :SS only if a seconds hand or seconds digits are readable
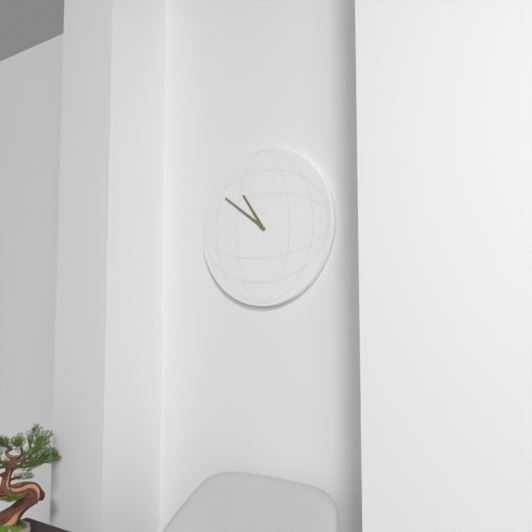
10:51
